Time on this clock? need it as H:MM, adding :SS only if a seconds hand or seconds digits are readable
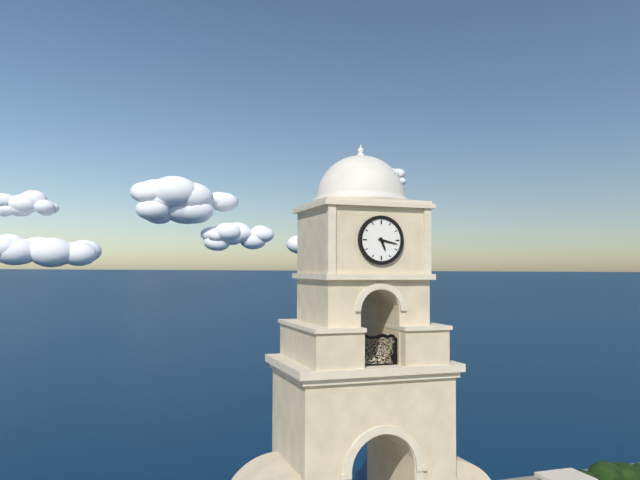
5:17
